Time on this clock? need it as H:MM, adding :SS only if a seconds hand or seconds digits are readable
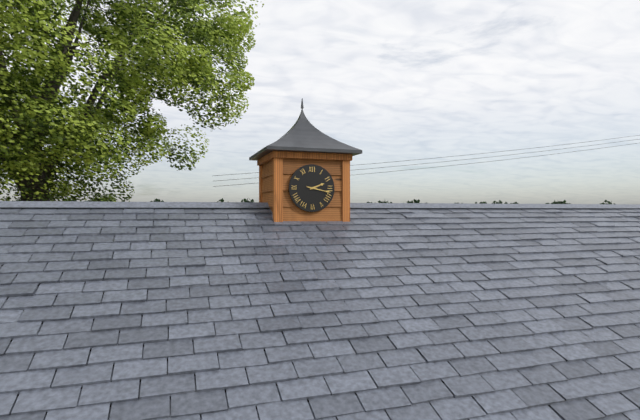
2:17
